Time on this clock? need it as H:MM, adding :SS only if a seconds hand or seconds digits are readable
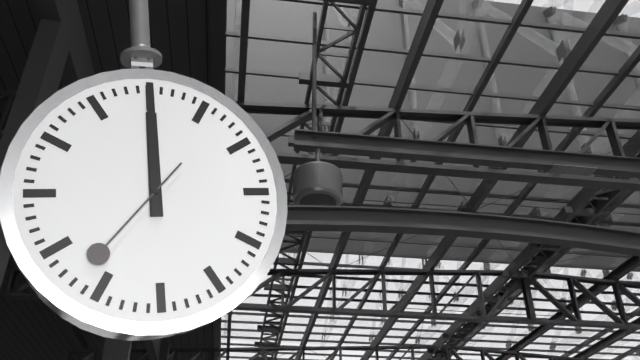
12:00:37
